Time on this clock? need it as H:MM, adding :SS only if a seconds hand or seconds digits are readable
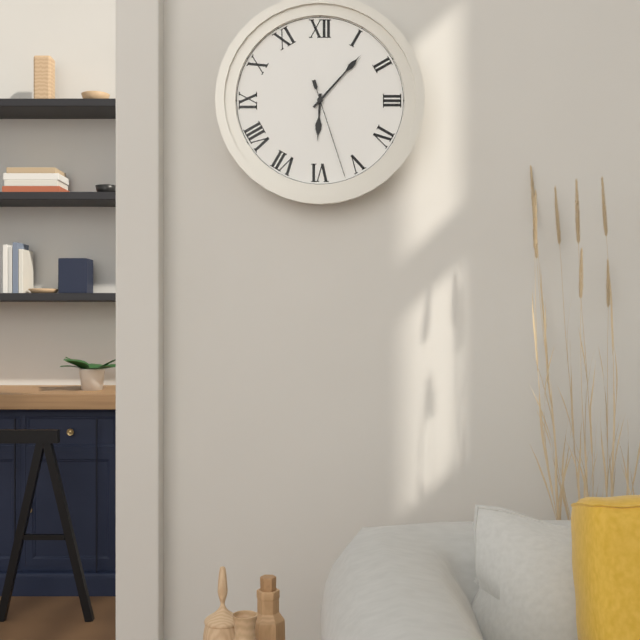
6:07:27
